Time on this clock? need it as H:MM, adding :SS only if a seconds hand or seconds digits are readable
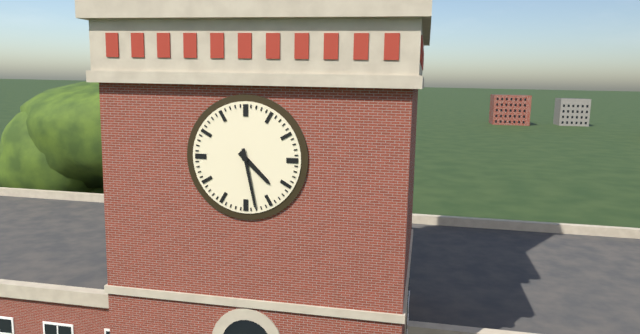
4:28
